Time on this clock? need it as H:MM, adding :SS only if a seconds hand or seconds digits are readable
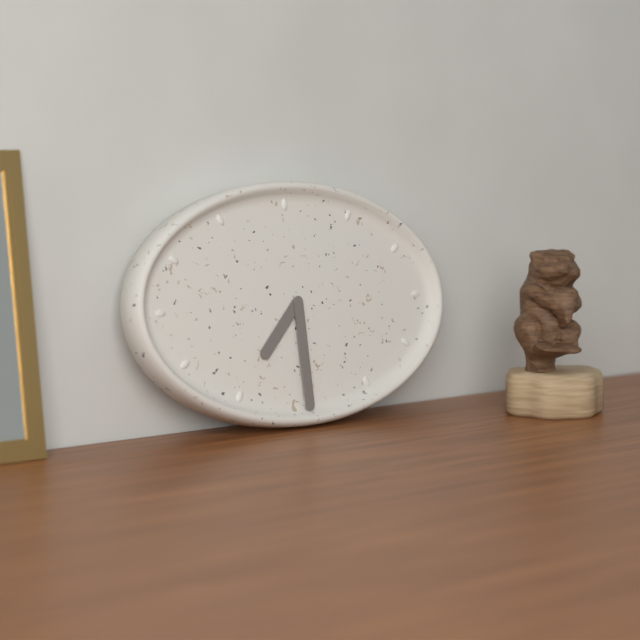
7:30
